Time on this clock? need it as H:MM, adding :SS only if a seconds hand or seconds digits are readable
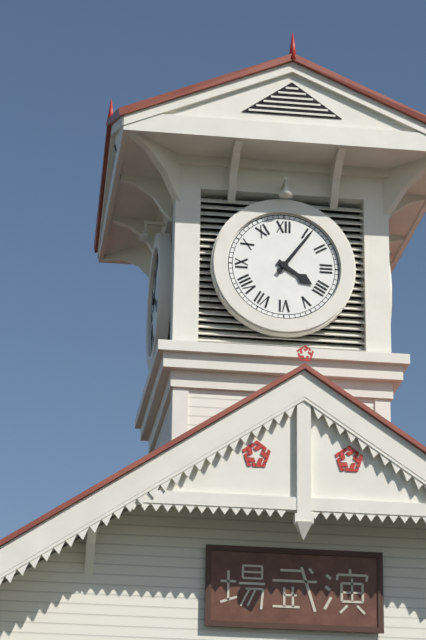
4:06
